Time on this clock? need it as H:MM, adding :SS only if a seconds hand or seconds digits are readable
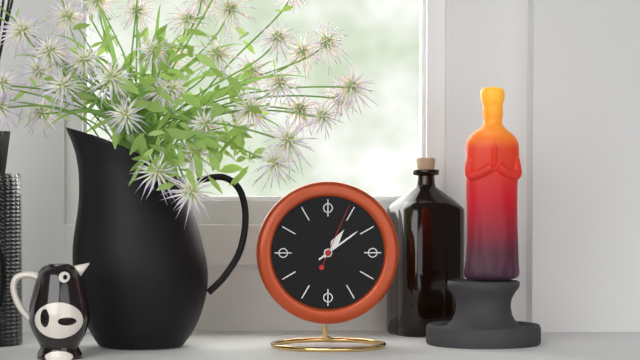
1:09:04
